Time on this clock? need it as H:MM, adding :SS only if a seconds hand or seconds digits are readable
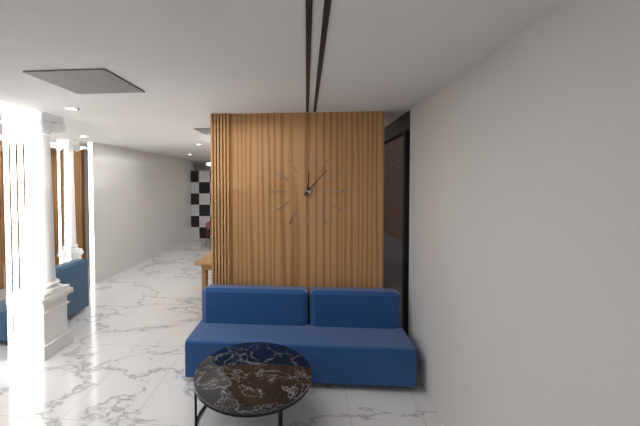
12:07
